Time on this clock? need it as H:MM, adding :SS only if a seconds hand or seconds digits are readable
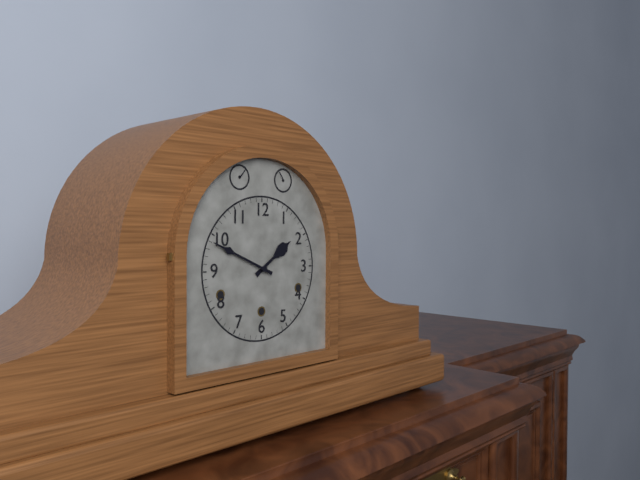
1:49
